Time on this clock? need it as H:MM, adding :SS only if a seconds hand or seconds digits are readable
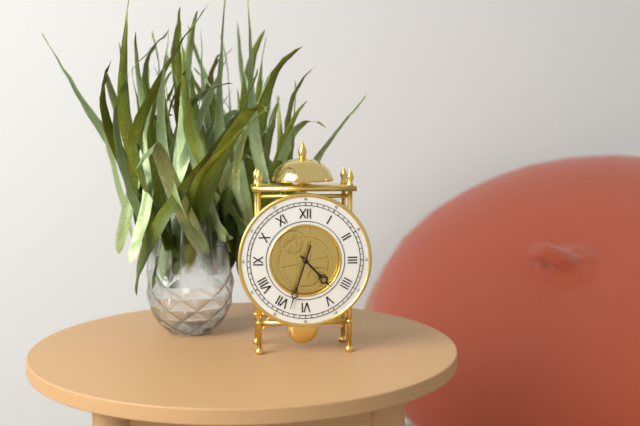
4:33
